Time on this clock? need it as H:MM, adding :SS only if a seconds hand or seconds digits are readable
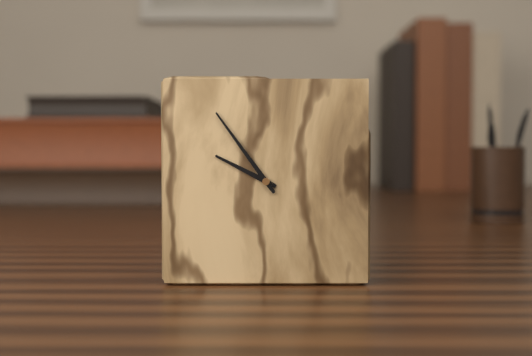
9:54
